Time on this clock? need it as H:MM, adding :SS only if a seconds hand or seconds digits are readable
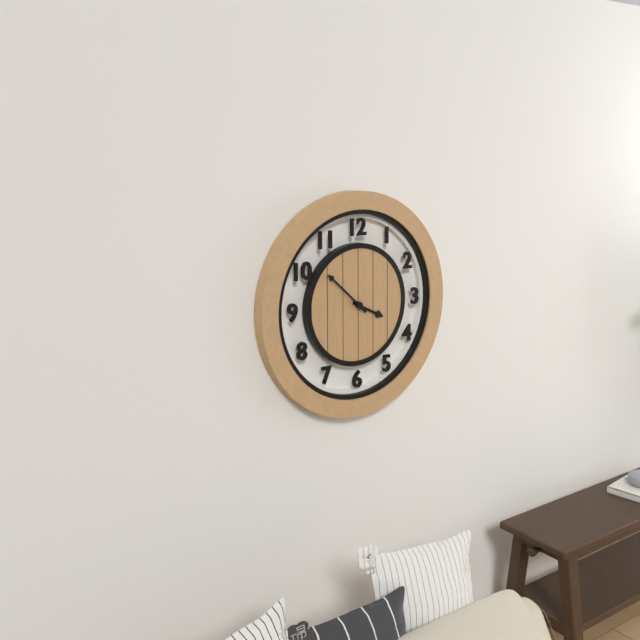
3:52
